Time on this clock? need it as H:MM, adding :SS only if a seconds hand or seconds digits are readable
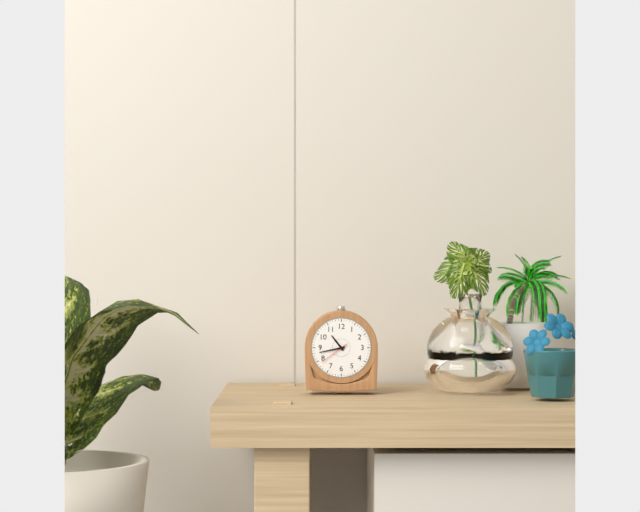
10:43
